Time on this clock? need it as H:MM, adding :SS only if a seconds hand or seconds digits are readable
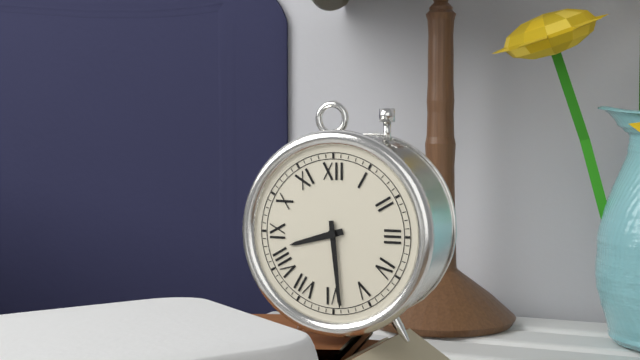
8:29
